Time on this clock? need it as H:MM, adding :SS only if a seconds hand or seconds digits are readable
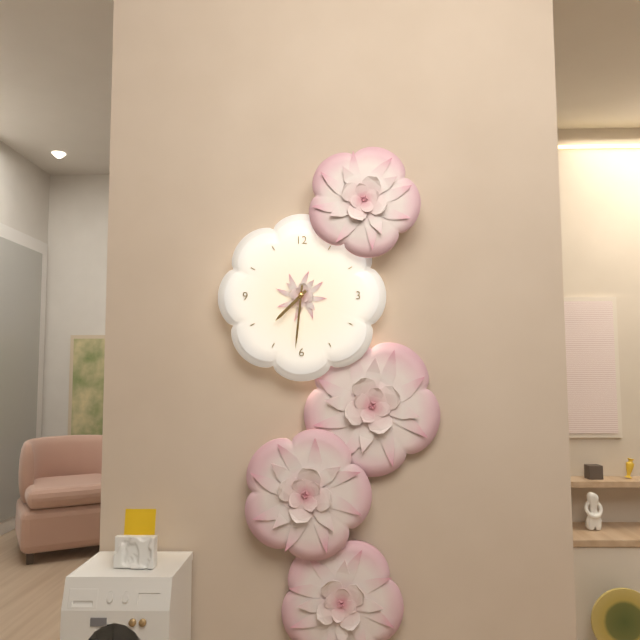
7:31
